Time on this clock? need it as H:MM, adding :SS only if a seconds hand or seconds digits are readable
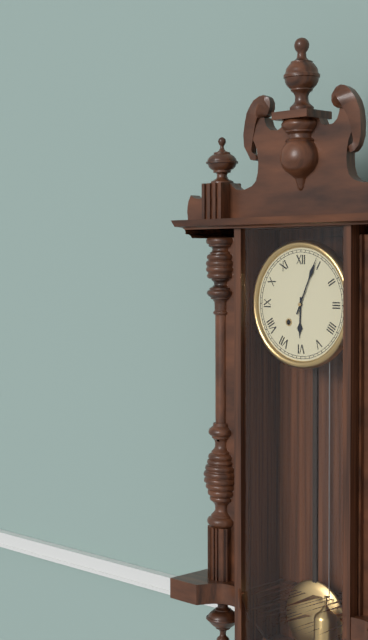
6:04
